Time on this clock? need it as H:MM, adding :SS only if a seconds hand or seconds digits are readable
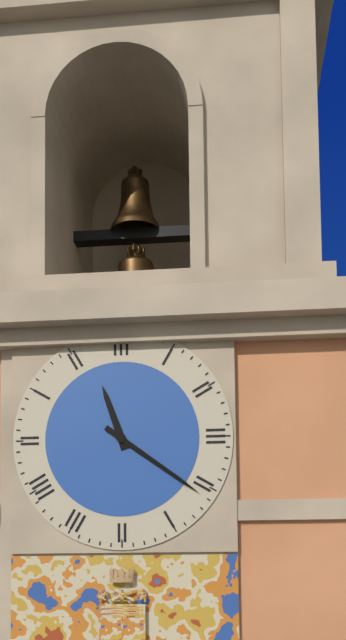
11:21
